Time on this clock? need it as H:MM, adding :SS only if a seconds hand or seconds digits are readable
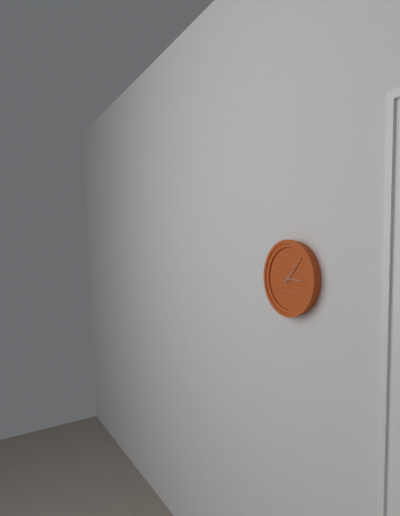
3:07
